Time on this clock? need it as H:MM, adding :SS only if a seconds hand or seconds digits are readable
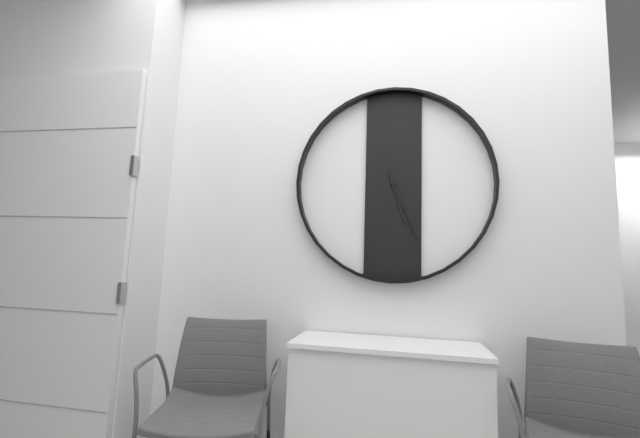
5:26
